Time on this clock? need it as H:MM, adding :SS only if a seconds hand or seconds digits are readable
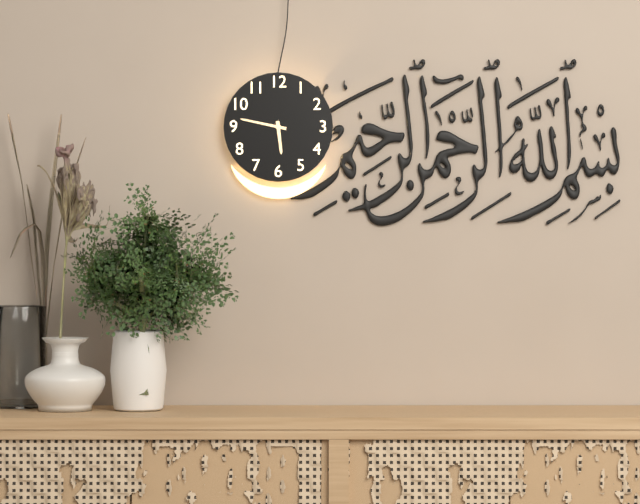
5:47
